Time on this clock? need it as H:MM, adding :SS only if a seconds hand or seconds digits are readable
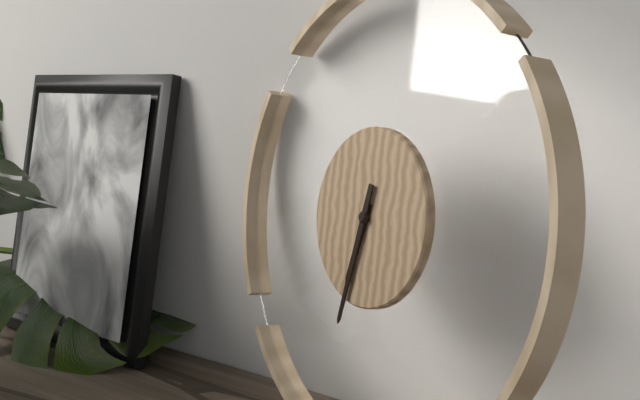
6:32
